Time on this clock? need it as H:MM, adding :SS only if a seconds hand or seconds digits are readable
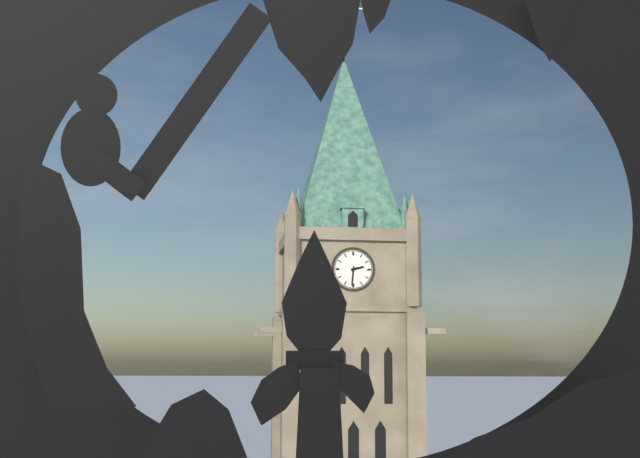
2:31
